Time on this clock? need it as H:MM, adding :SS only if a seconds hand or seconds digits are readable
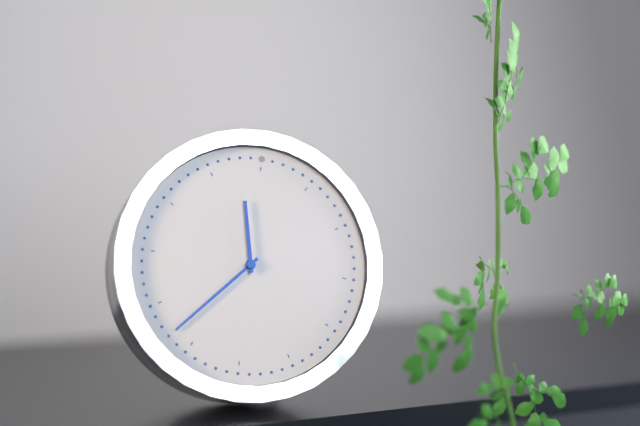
11:37
